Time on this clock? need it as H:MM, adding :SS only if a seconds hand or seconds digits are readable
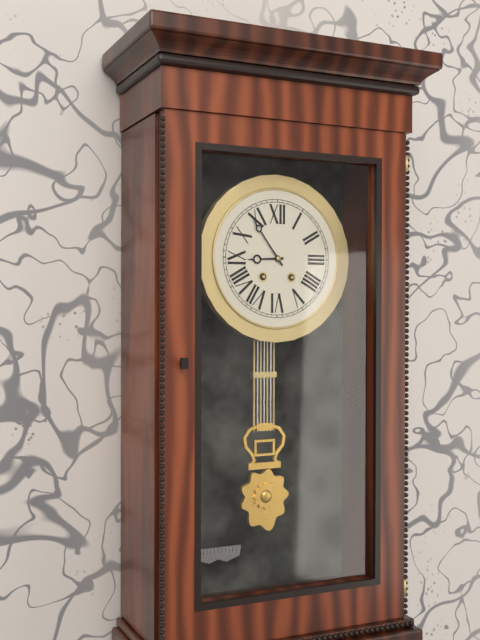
8:54
